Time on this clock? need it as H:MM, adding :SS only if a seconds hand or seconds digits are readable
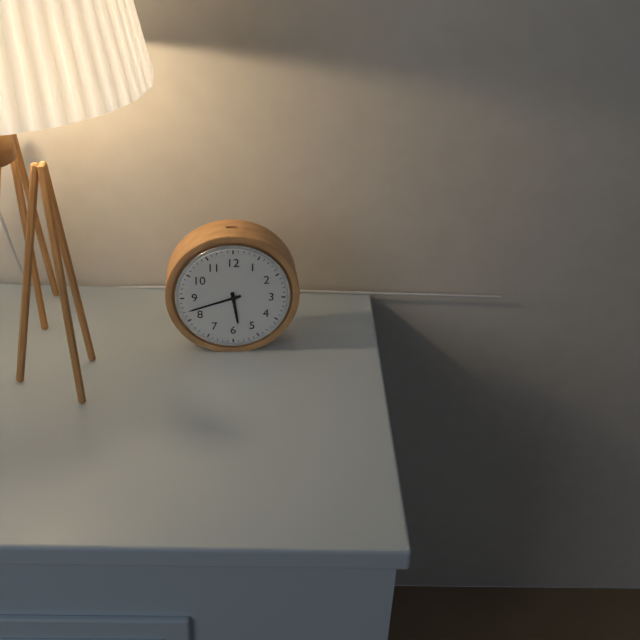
5:42
